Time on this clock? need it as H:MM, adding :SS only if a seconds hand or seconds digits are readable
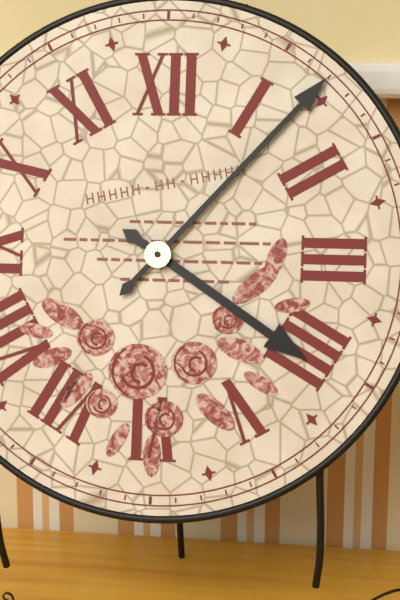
4:07
